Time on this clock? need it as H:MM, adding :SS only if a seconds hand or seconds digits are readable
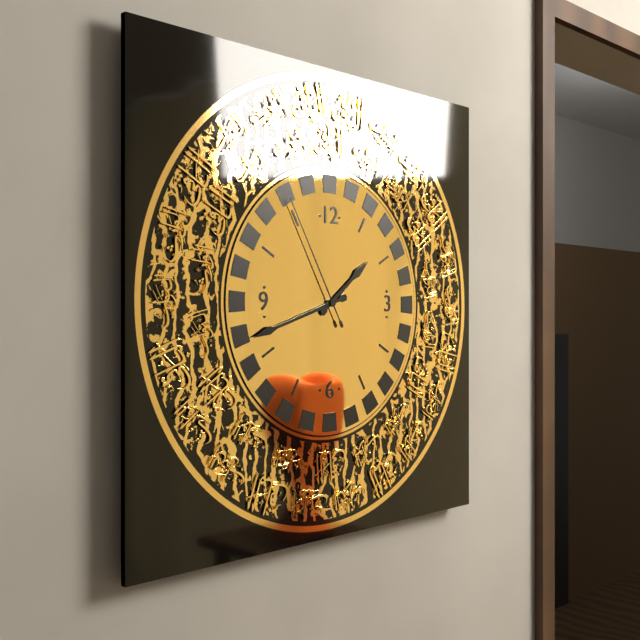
1:42:55
